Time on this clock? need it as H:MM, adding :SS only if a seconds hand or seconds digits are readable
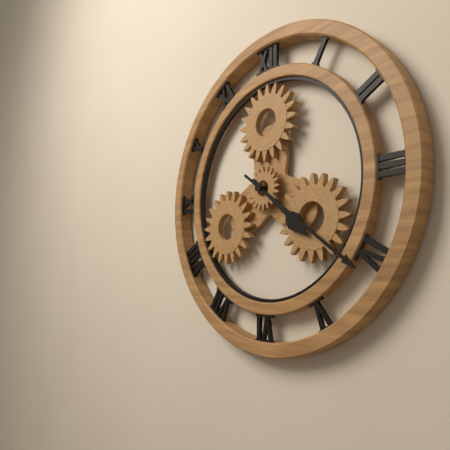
4:21
